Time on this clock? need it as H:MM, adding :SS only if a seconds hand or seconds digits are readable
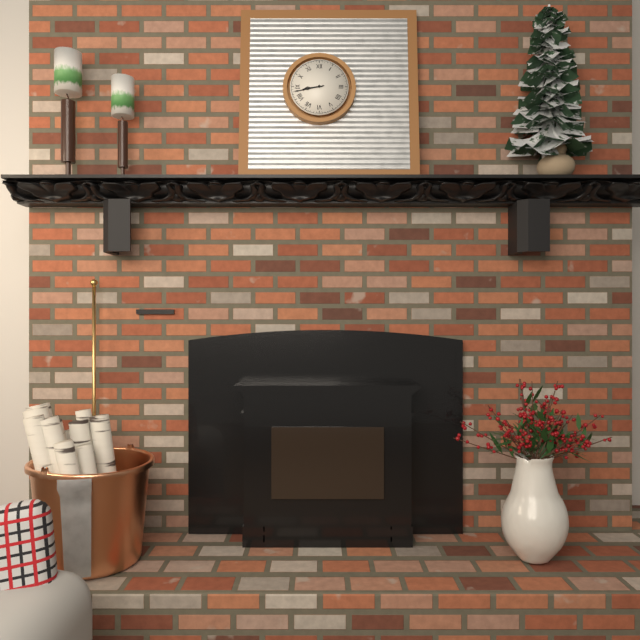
8:43
